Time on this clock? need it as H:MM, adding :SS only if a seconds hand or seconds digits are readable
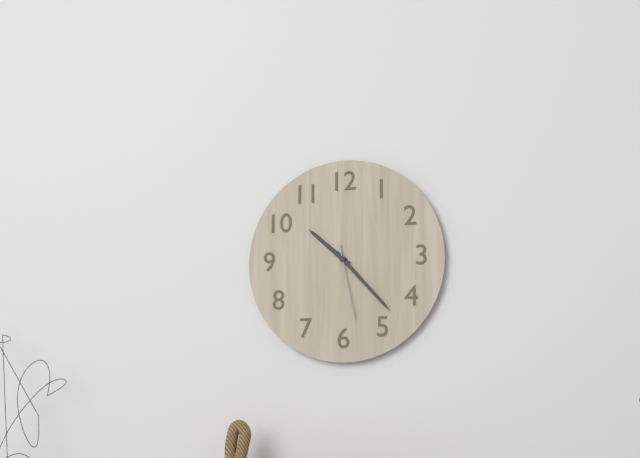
10:23:28
